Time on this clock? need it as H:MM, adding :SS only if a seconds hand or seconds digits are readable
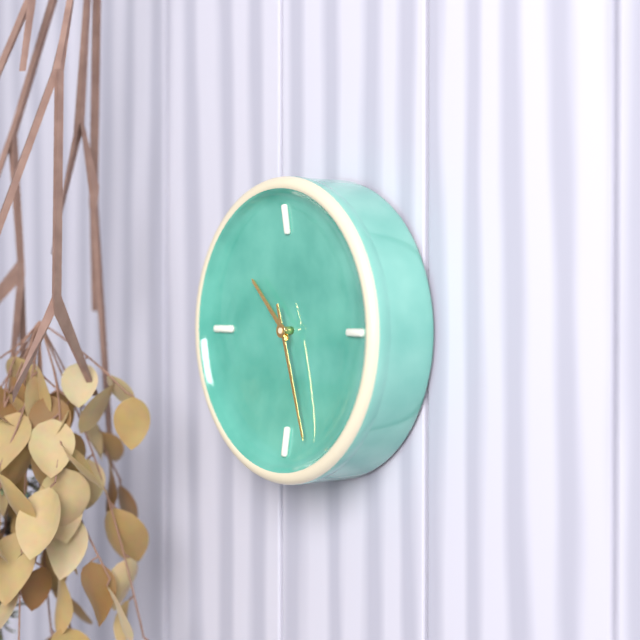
10:27
